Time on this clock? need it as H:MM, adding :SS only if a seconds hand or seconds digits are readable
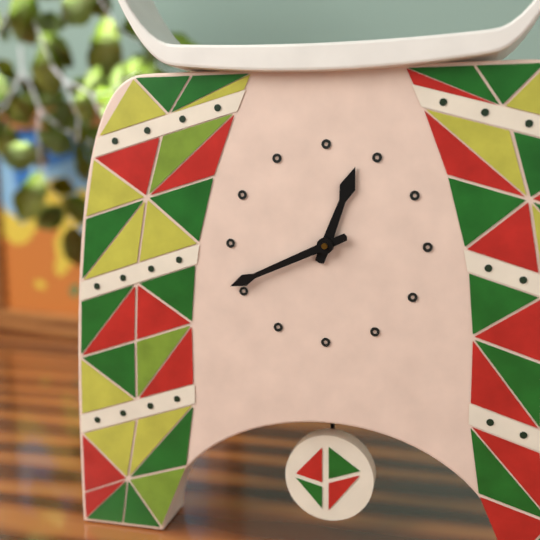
12:41
